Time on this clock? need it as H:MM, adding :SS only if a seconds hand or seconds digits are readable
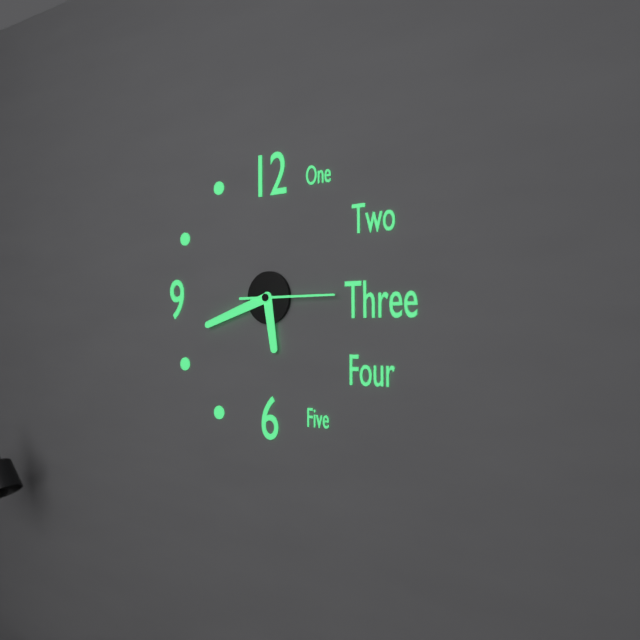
5:42:15
